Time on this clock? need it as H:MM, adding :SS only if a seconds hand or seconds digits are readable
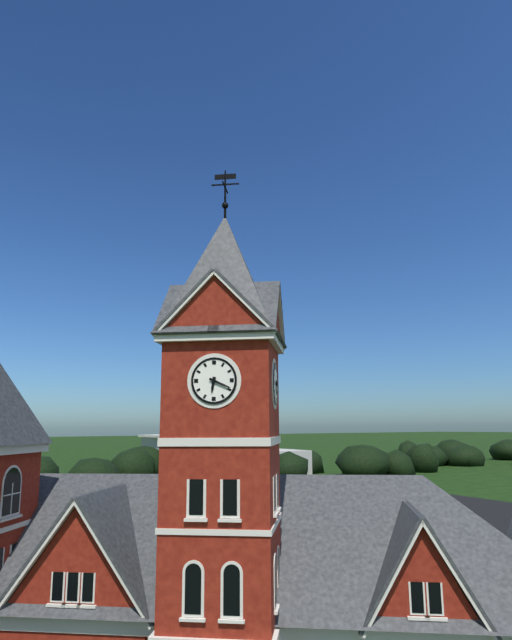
6:19
